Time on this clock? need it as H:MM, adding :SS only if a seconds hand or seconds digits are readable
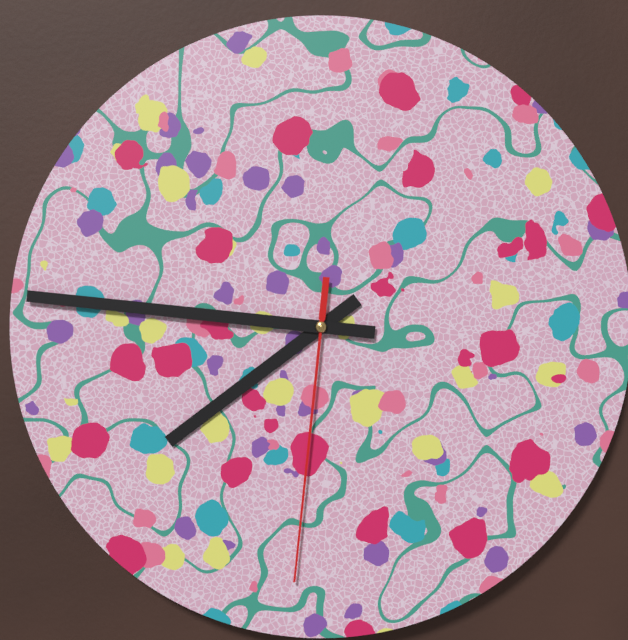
7:46:31
